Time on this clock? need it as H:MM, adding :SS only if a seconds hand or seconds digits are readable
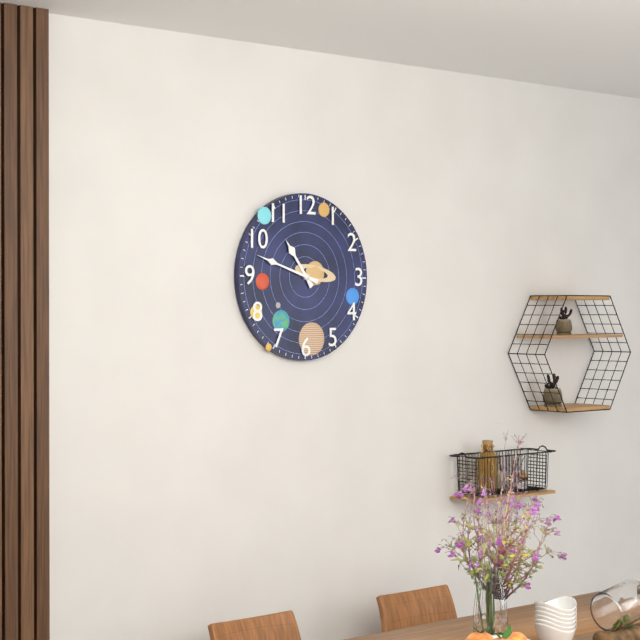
10:48
